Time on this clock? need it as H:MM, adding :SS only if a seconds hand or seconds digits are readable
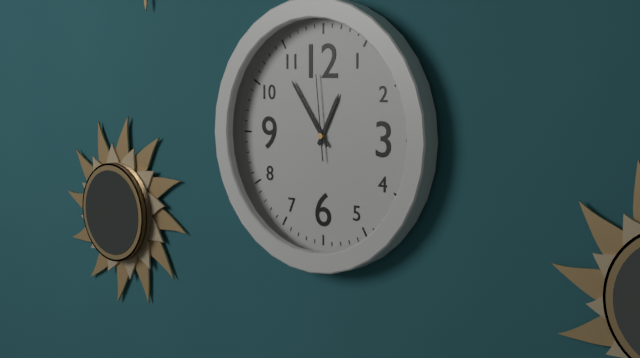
12:54:59
